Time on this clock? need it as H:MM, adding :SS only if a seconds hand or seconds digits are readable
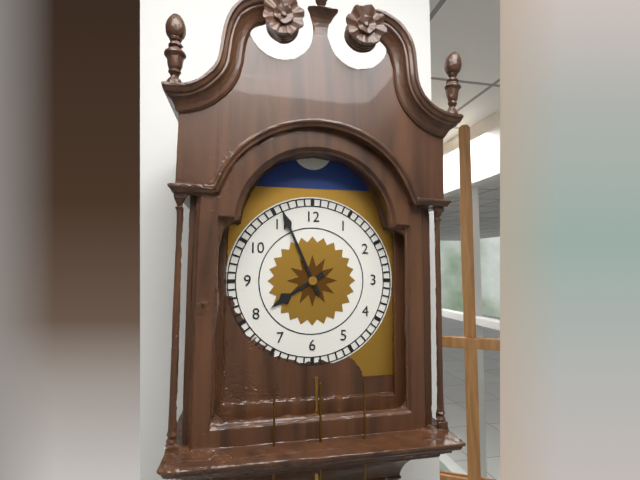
7:56
